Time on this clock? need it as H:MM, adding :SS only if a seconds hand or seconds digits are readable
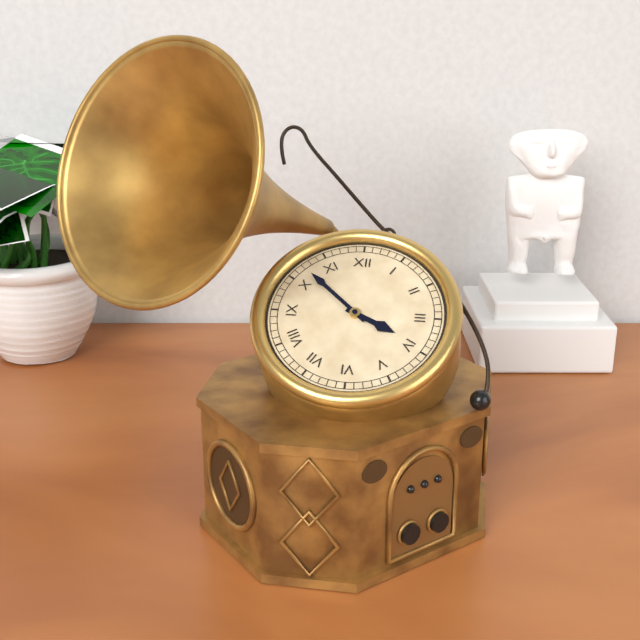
3:52
